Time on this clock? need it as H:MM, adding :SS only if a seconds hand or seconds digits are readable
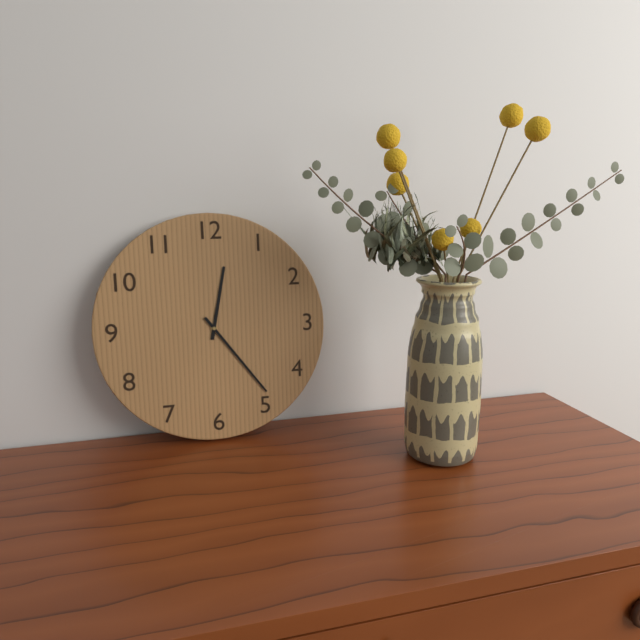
12:24
